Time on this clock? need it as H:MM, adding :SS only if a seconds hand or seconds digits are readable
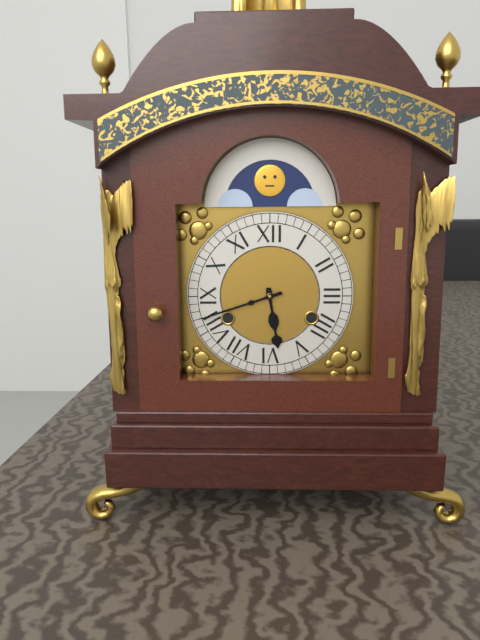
5:42
